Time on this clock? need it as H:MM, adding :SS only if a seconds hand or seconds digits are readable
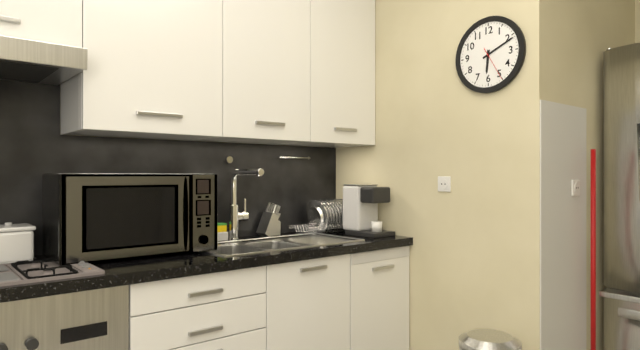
6:11
